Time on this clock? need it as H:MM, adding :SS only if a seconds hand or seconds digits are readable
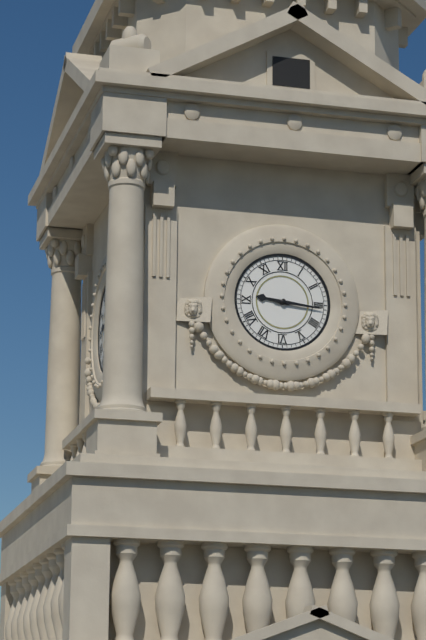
9:16
